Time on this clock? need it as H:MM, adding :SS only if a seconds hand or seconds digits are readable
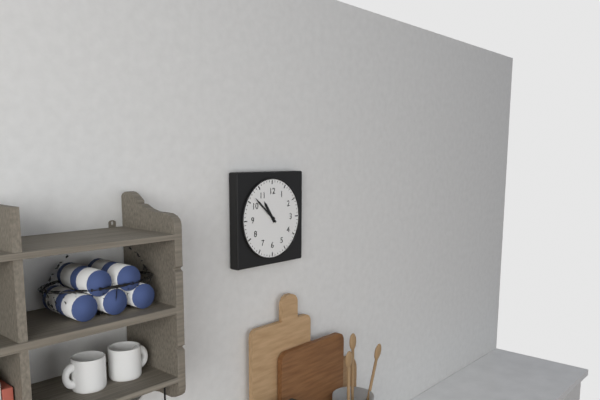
10:52
